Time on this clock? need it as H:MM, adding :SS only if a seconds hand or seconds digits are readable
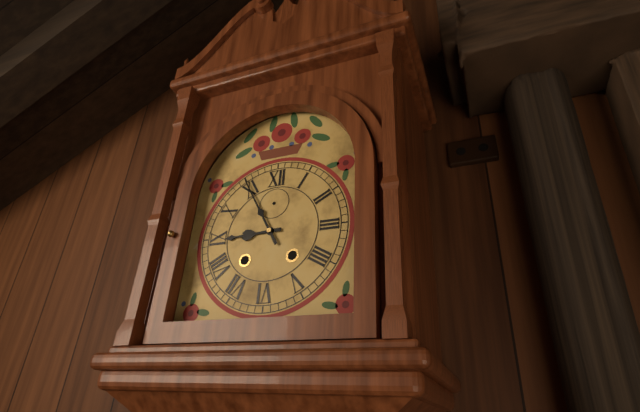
8:55
